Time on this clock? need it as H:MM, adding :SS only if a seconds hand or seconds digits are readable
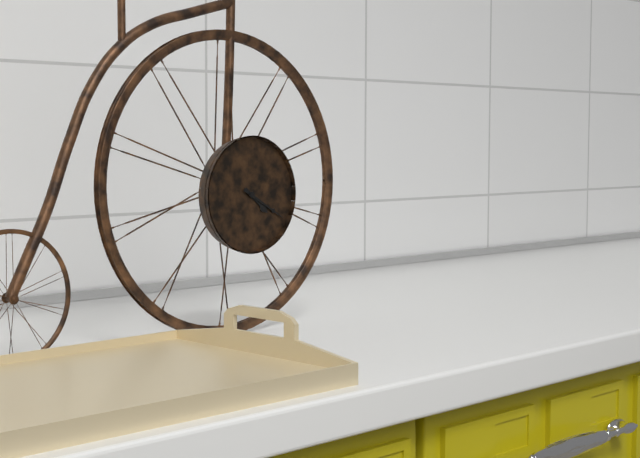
4:20
